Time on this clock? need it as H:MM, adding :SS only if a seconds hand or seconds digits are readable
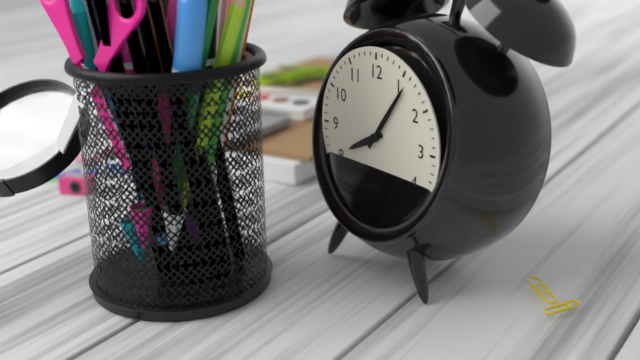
8:06
